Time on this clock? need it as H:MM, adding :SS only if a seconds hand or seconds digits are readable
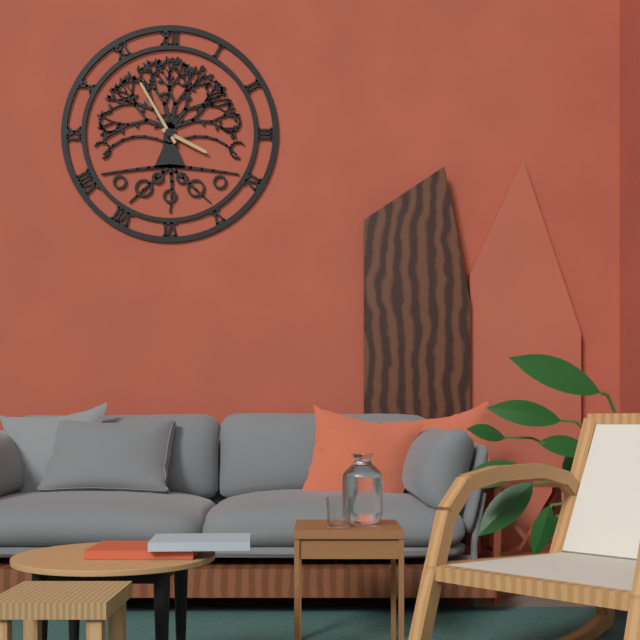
3:55
